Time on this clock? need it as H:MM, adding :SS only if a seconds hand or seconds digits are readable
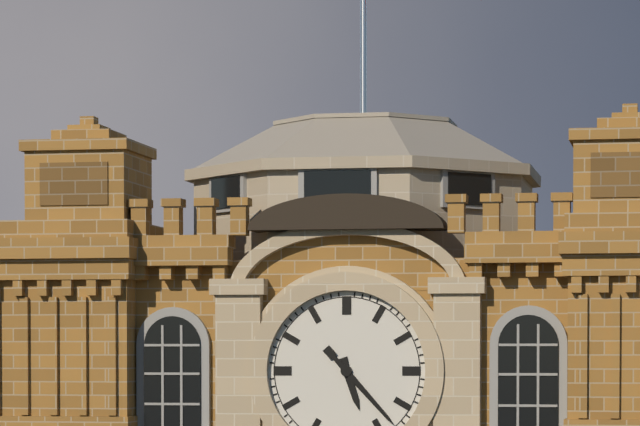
5:23
